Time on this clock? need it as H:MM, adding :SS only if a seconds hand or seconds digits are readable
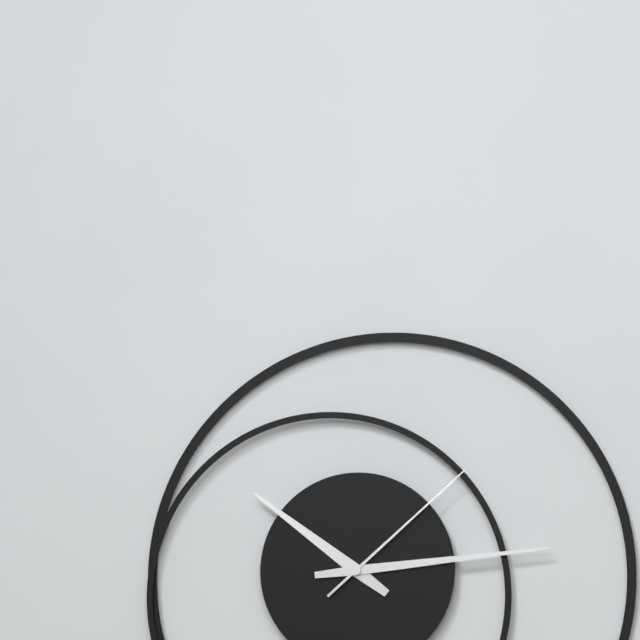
10:14:08
